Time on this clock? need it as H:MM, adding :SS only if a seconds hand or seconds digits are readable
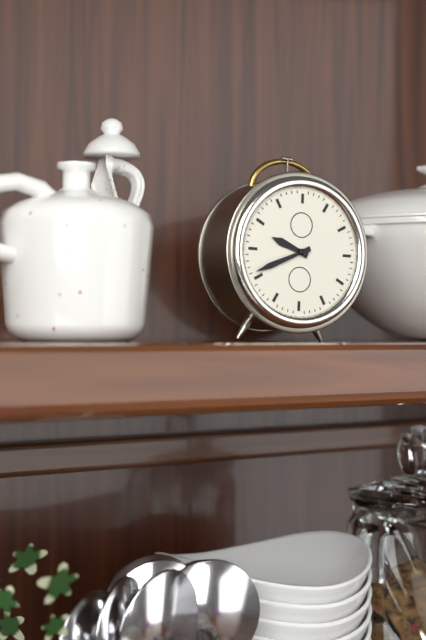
9:41
